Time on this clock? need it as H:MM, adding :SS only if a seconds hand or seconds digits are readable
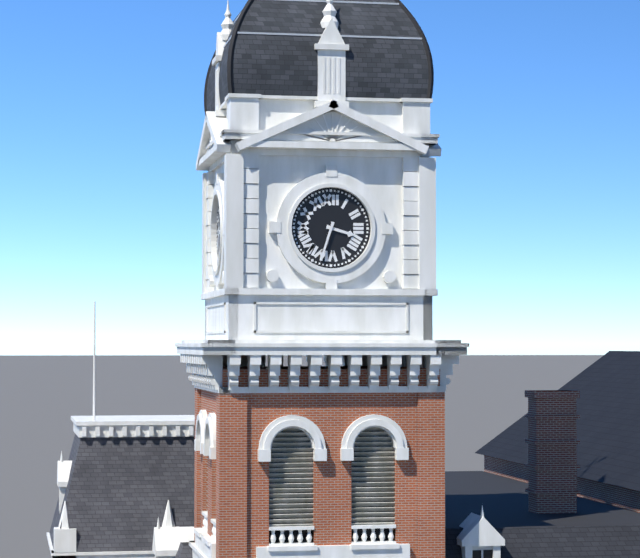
3:33
